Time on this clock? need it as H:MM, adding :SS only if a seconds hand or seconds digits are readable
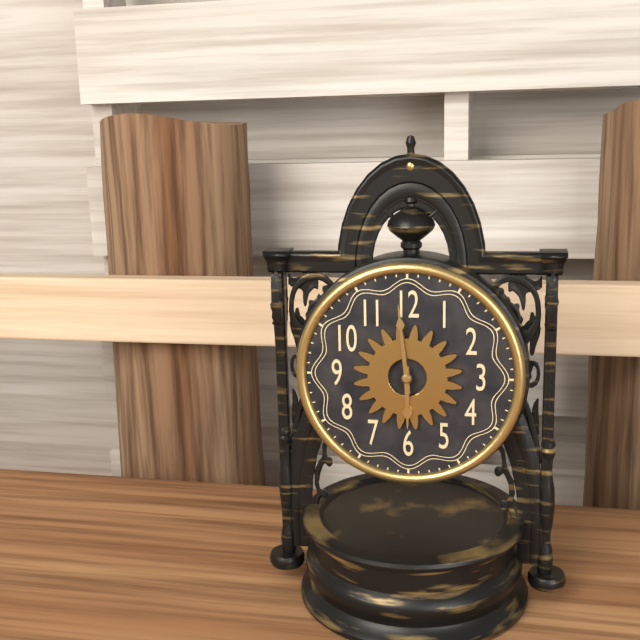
5:59
